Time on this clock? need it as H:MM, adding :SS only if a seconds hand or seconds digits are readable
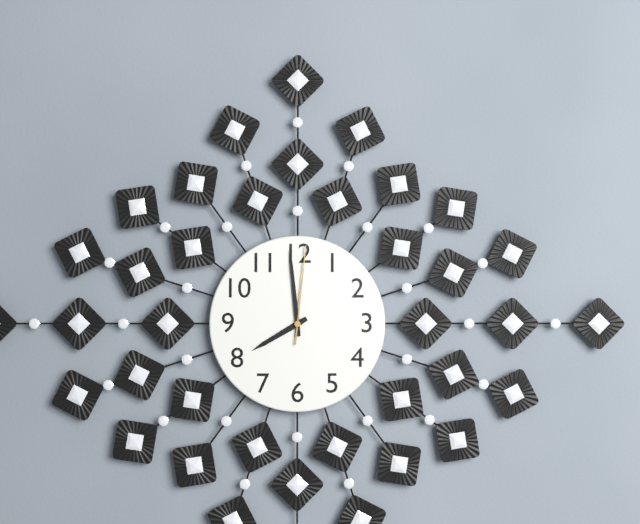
7:59:01
